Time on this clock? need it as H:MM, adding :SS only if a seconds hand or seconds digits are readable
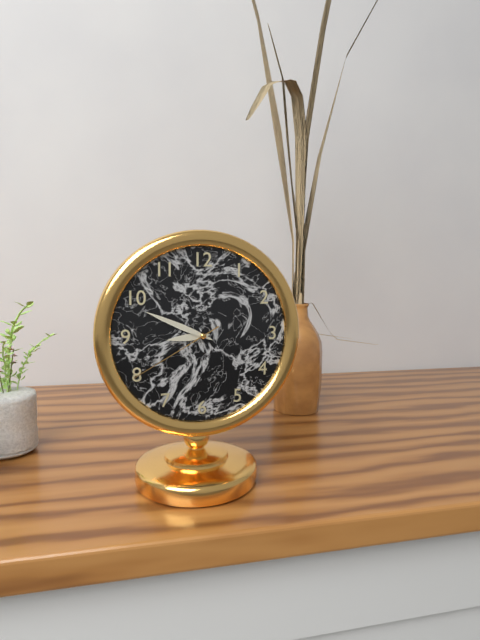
8:49:40
